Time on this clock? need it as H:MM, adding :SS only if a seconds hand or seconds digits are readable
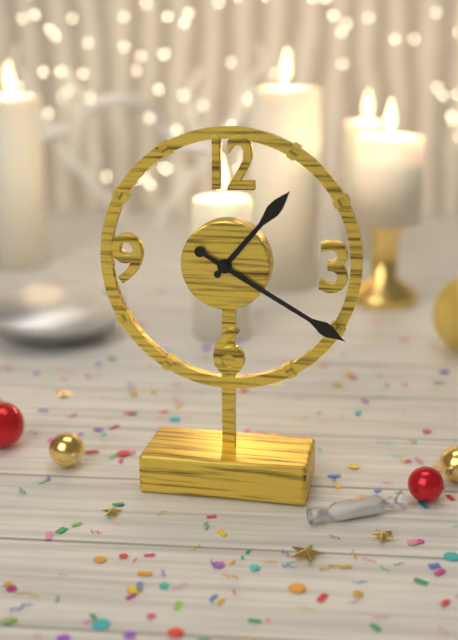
1:20
